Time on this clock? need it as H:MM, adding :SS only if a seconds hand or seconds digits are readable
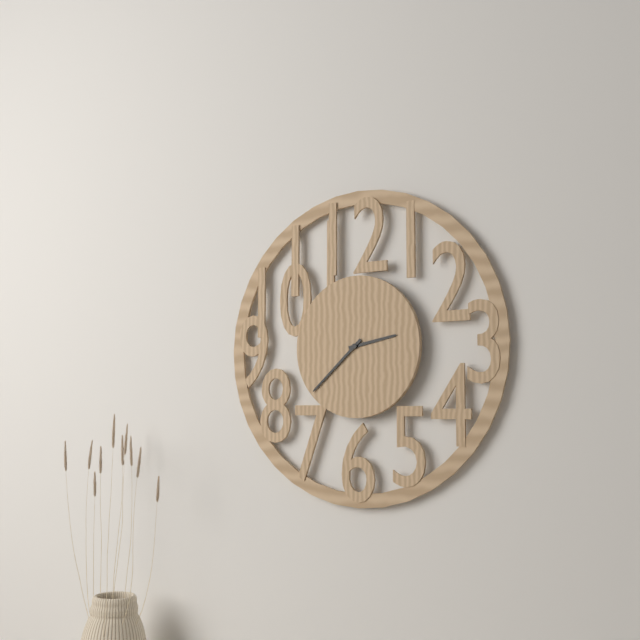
2:38
